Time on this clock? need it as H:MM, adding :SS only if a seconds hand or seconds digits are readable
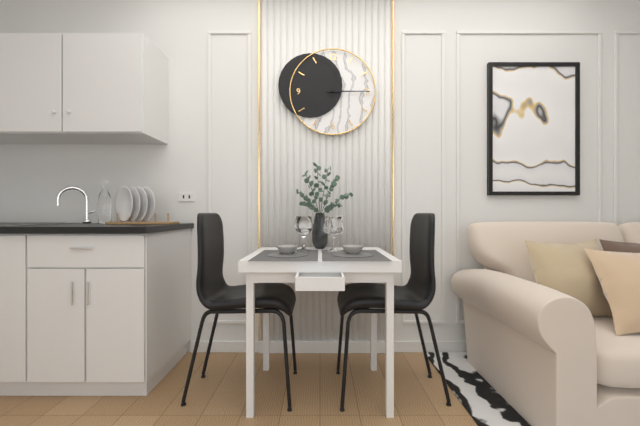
12:15
